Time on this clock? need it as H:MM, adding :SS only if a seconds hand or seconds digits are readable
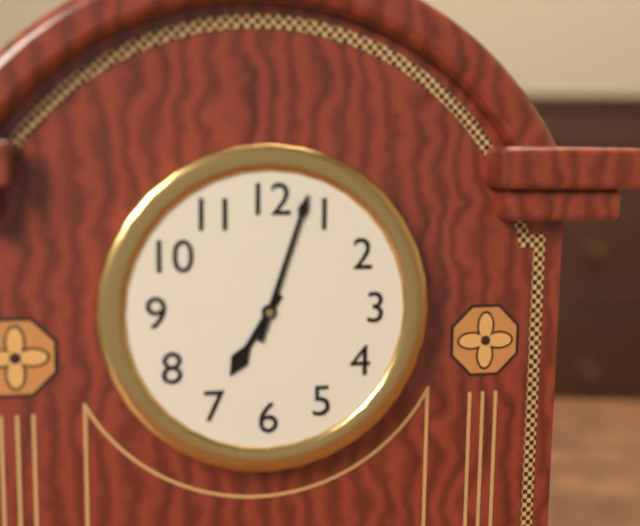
7:03
